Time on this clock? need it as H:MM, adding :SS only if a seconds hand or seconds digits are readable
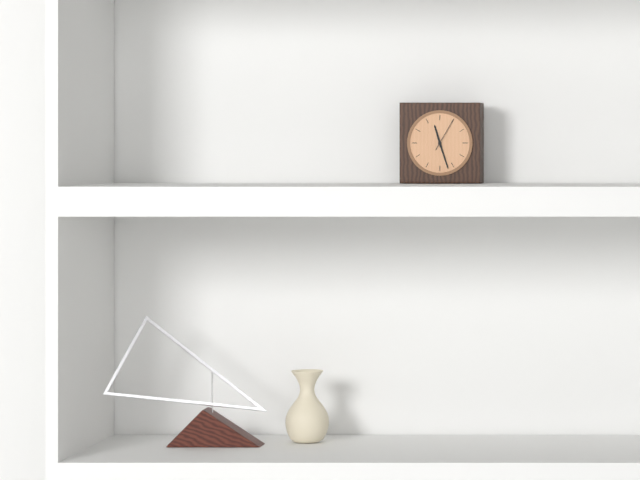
11:27
